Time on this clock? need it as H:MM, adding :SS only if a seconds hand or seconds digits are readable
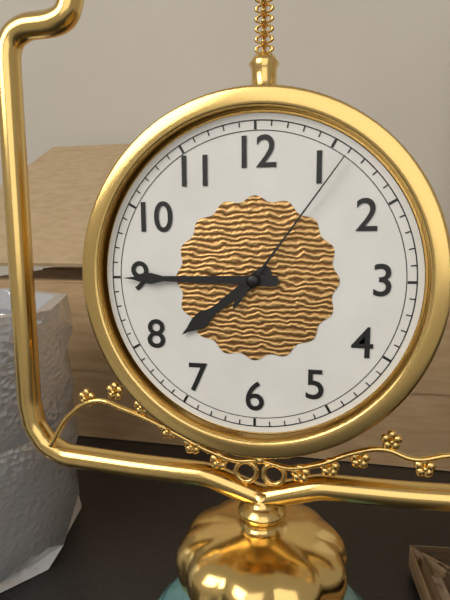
7:45:06
